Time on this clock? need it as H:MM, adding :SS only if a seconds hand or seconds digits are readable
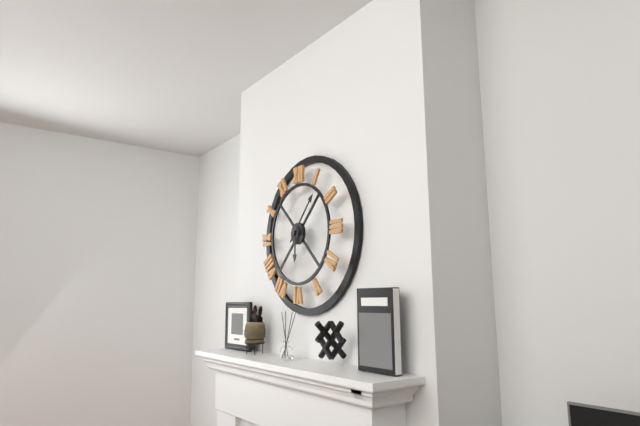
6:07
